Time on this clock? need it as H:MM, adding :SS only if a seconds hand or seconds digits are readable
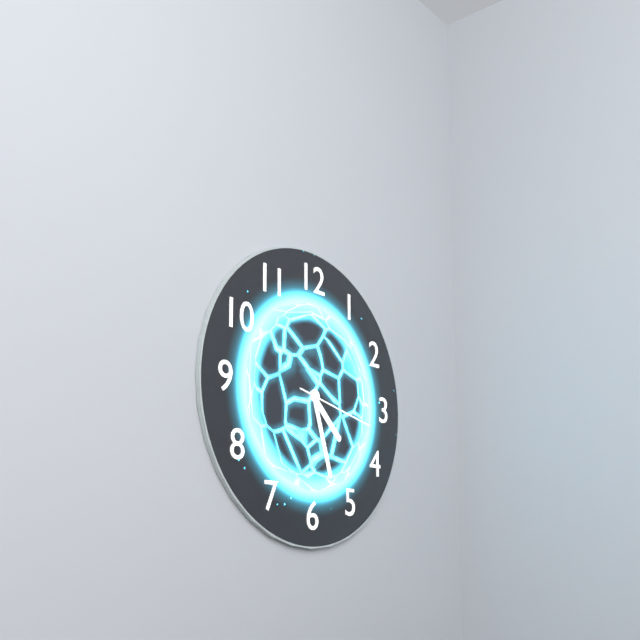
4:27:17
